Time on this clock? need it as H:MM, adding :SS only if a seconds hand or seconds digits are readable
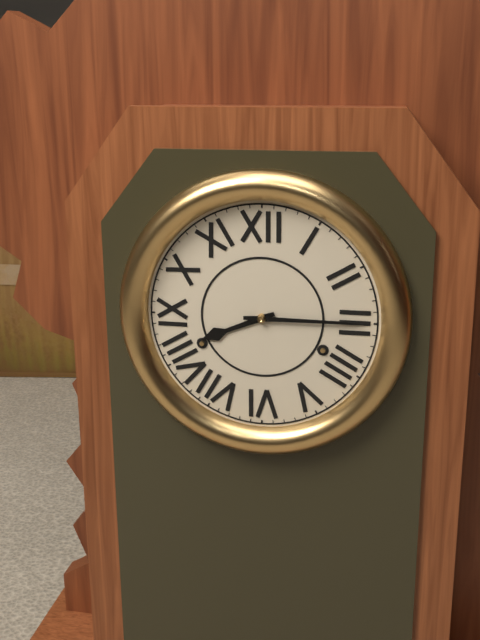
8:15
